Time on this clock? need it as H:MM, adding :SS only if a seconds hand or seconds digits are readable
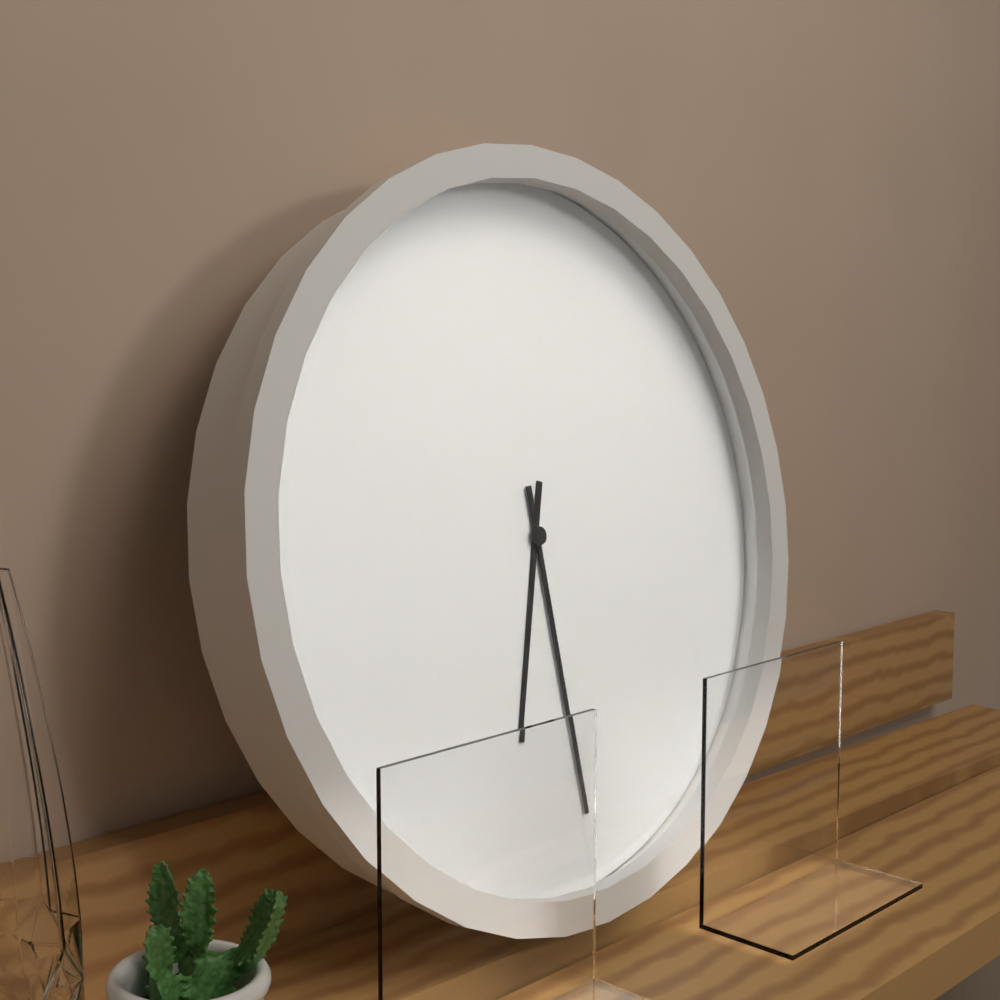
6:29
